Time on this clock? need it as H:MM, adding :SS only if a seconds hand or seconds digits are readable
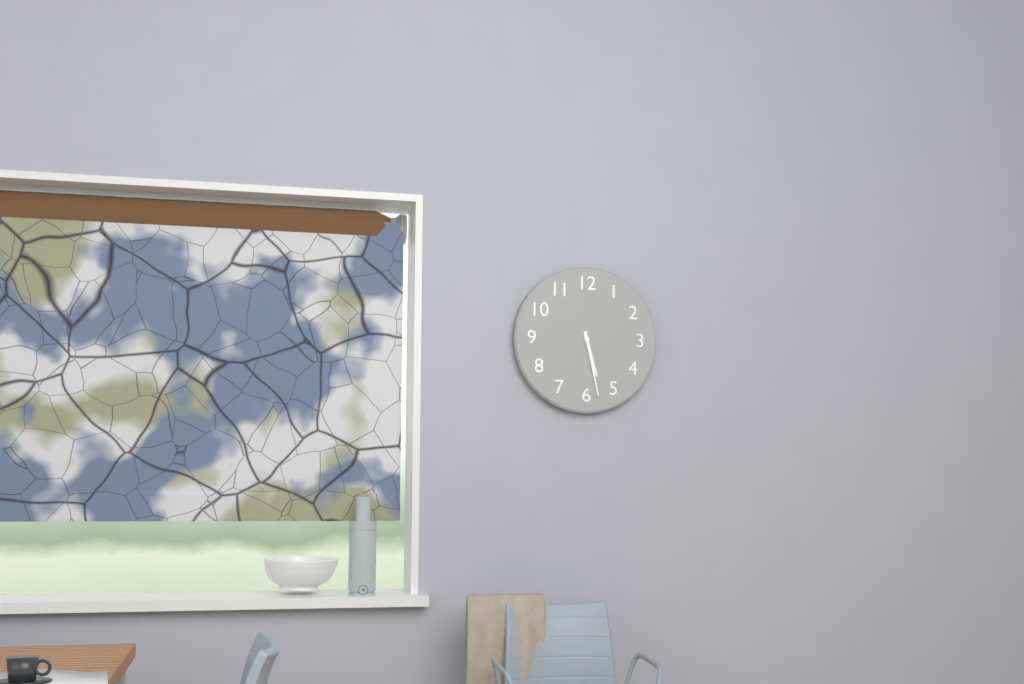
5:28
